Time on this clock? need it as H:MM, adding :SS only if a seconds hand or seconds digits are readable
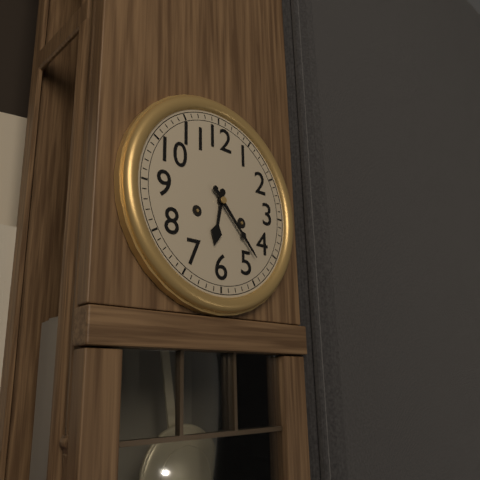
6:23
